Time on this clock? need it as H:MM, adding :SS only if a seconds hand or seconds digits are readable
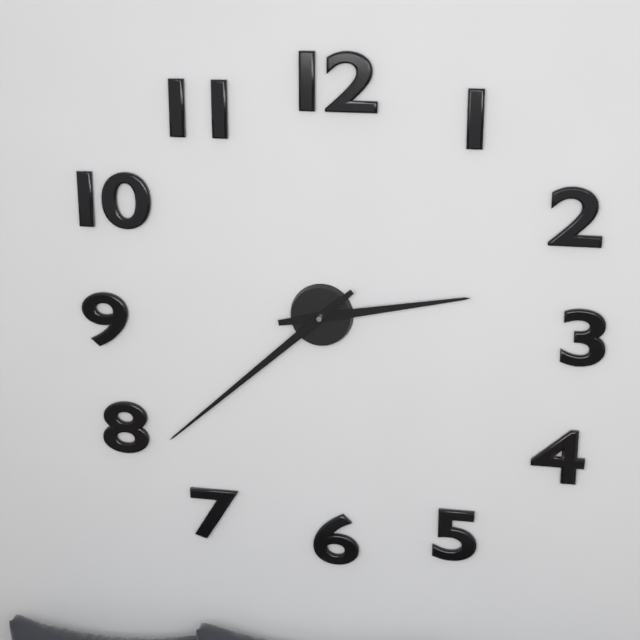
2:38
